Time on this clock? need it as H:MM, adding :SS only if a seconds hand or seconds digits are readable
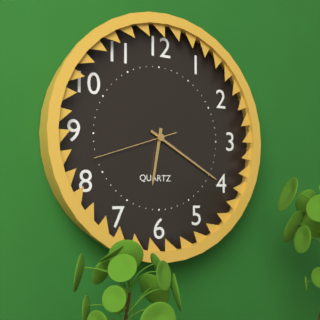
6:20:42
